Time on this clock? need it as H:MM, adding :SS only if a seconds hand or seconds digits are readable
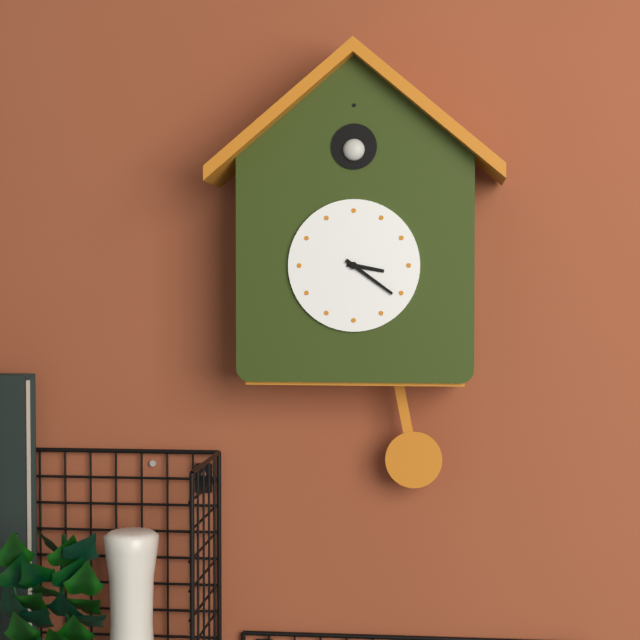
3:21
